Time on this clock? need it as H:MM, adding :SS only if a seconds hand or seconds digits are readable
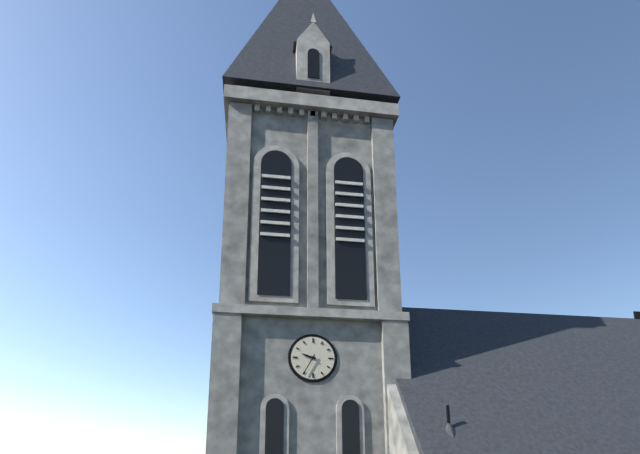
9:35
